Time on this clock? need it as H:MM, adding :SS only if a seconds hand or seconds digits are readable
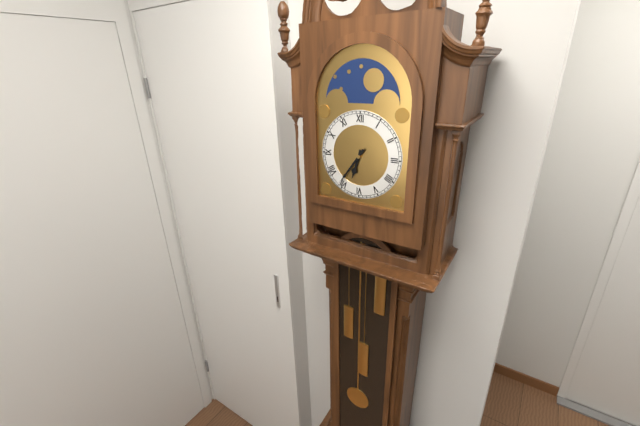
6:36
